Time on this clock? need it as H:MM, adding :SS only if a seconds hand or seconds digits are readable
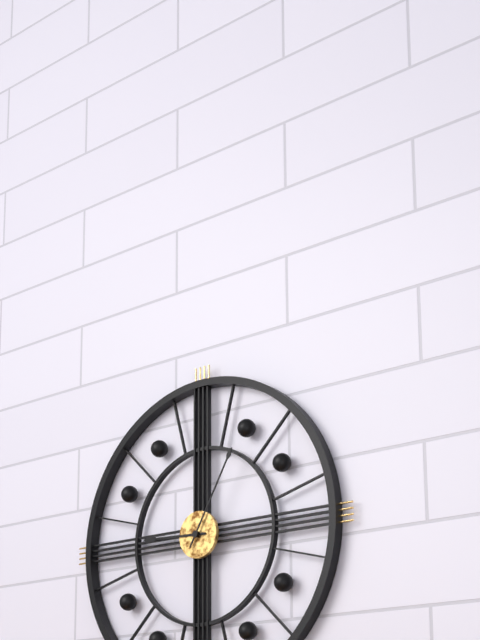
9:05
